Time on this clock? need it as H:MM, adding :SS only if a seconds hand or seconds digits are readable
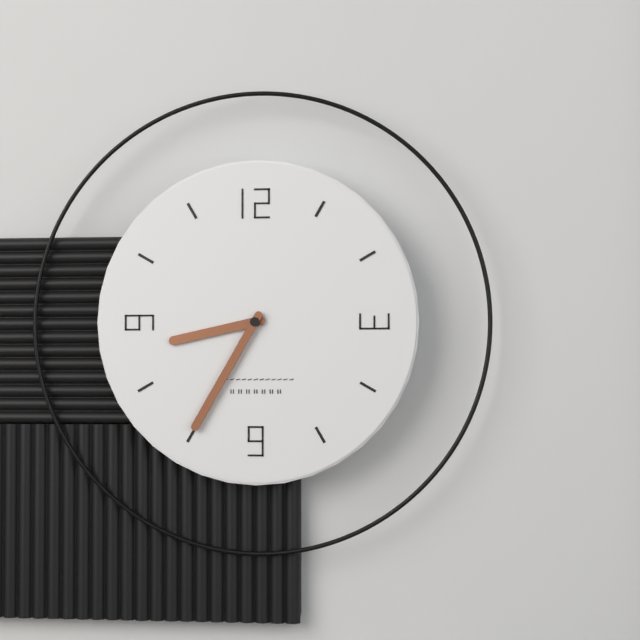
8:35
